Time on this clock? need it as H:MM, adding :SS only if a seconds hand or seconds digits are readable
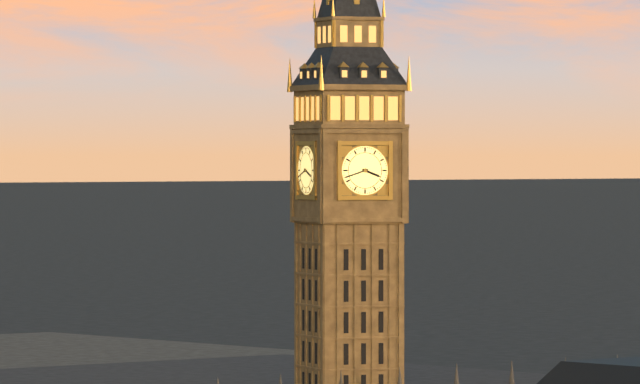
3:42
